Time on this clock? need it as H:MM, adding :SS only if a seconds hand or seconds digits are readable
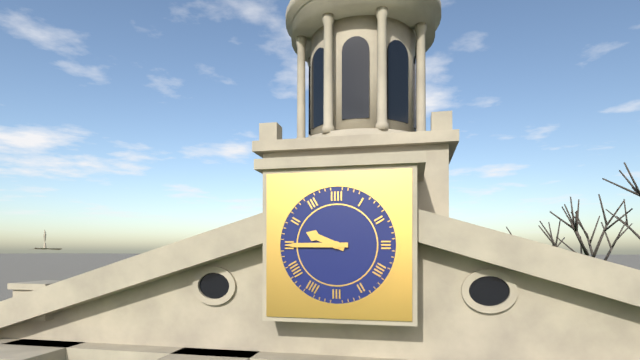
9:45
